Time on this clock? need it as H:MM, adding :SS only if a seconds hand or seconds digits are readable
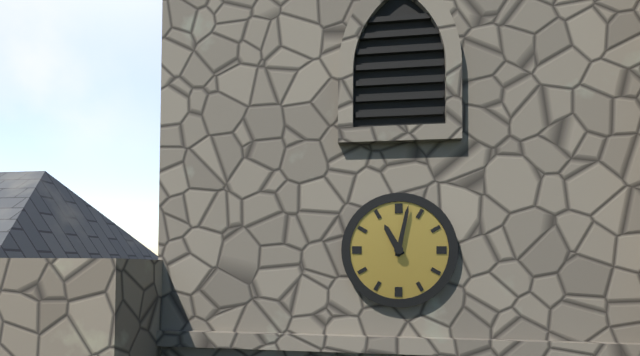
11:02
